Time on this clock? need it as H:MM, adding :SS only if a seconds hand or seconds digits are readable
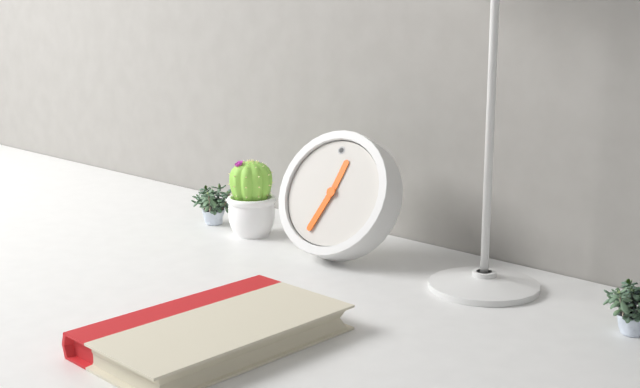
12:34
